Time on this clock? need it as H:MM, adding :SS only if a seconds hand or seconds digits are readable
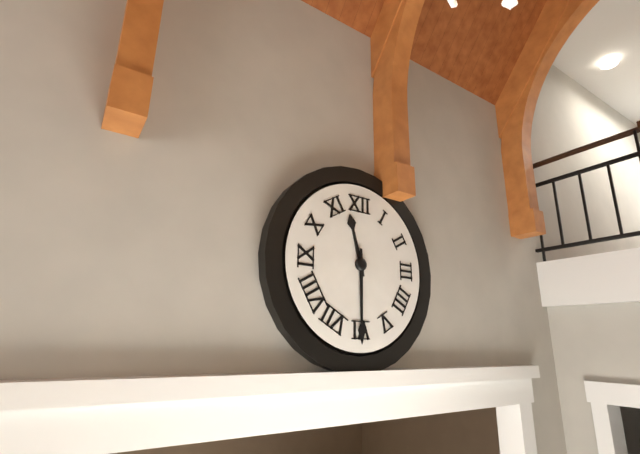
11:30
